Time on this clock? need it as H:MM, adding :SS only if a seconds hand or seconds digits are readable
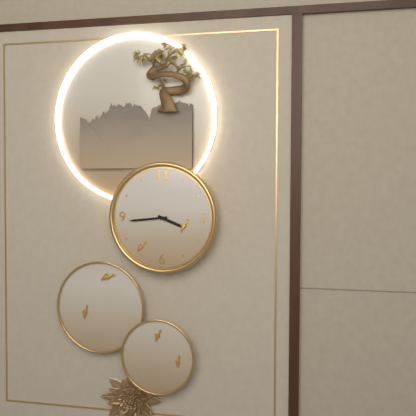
3:44
